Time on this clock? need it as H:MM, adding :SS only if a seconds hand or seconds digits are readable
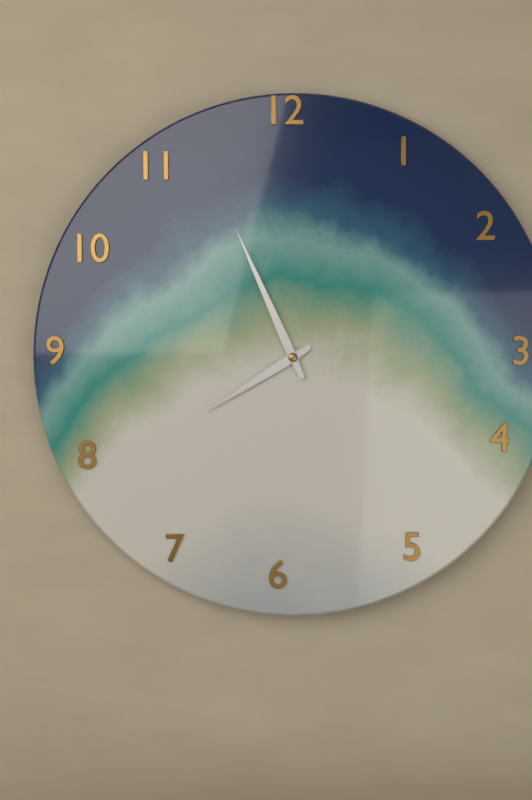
7:56
